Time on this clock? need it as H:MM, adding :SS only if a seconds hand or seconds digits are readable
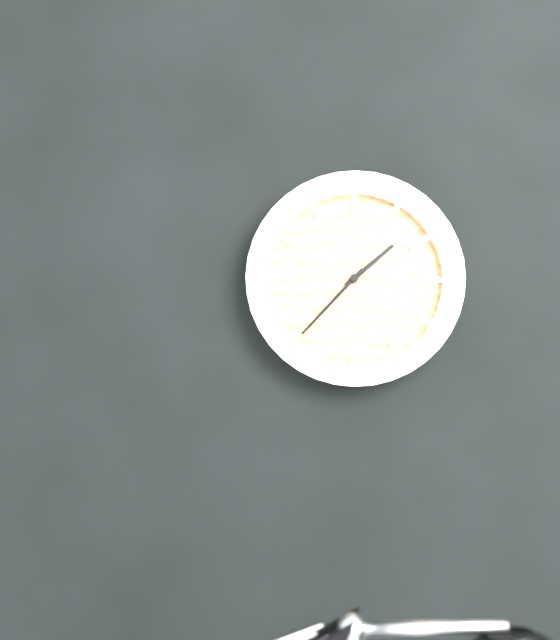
1:37
